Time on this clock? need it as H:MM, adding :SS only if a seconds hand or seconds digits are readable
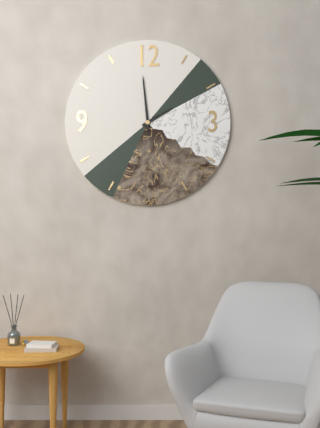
1:59
